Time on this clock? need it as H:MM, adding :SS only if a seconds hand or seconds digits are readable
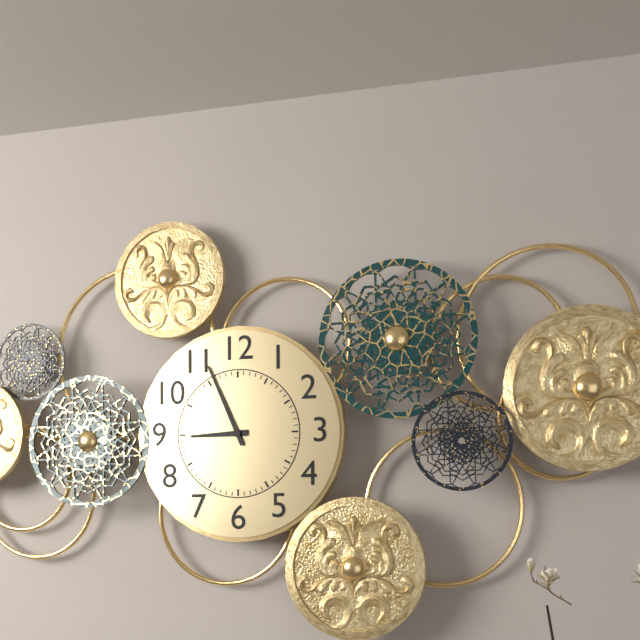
8:56
